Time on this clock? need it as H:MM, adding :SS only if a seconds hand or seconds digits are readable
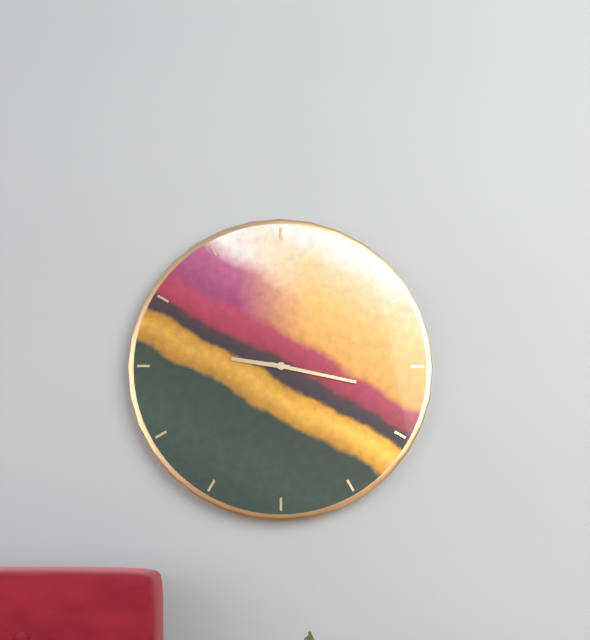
9:17
